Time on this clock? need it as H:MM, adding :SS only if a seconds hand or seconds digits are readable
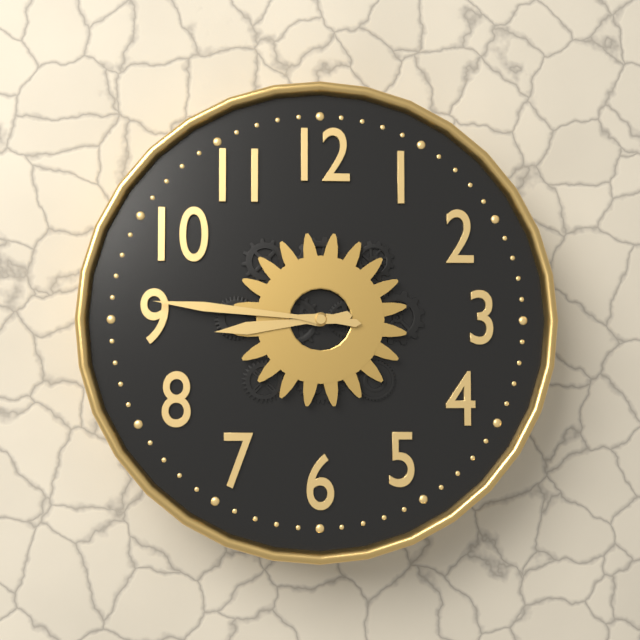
8:46
